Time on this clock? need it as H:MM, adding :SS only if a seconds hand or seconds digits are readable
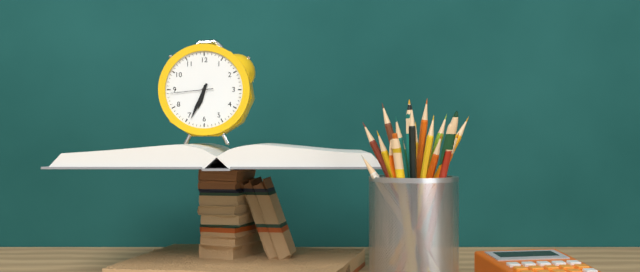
6:34
